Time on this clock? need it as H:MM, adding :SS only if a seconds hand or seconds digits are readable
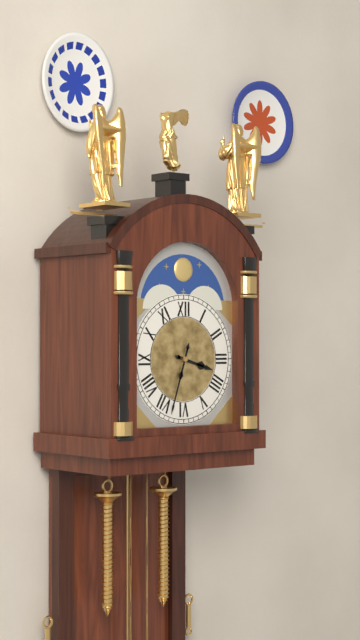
3:33
